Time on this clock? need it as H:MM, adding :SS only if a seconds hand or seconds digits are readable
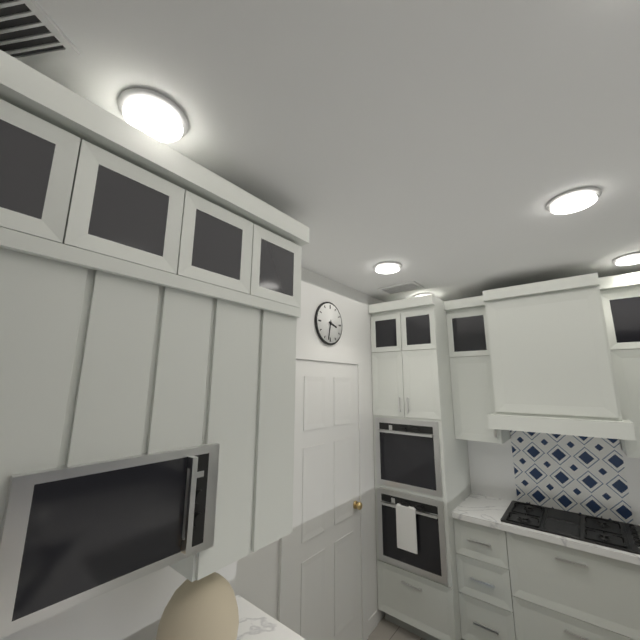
3:32
